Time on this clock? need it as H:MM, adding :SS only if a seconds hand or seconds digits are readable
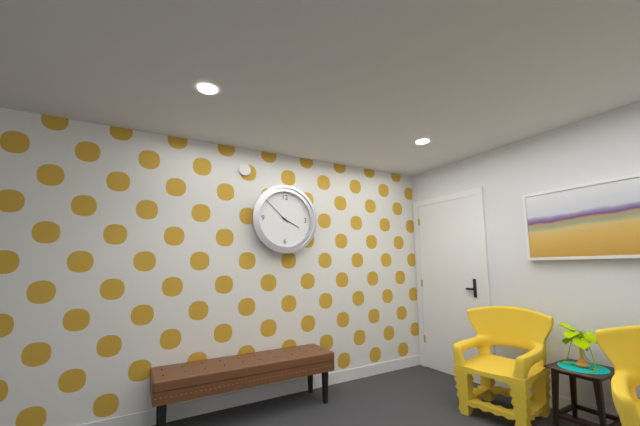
3:52
